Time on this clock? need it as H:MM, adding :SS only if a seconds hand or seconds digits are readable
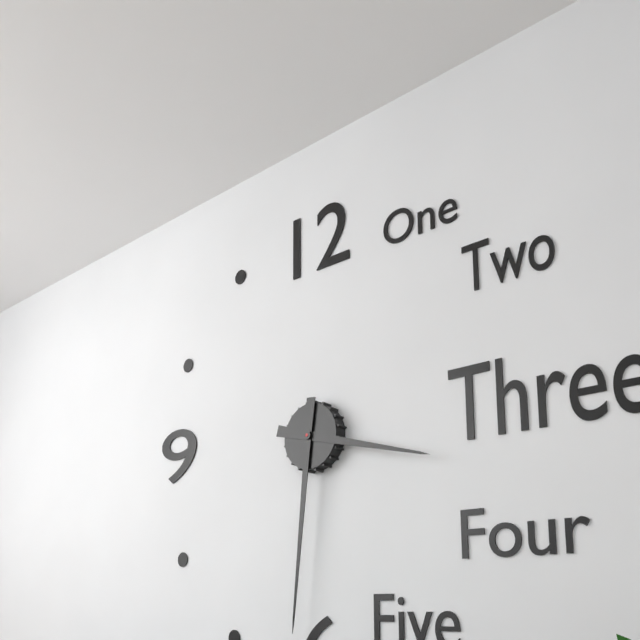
3:31
